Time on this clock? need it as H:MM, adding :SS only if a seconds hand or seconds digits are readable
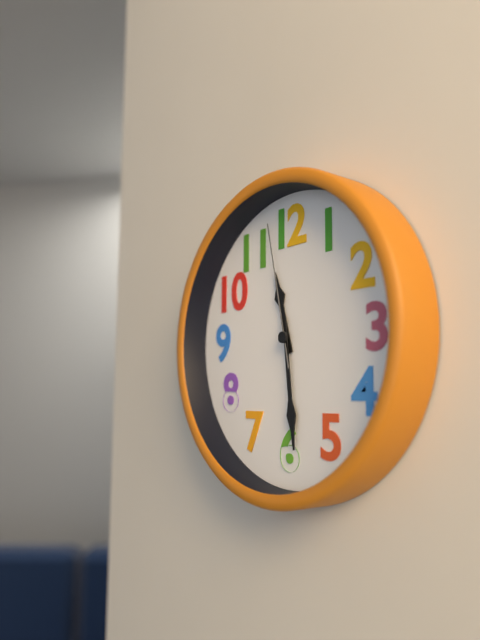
11:29:58
